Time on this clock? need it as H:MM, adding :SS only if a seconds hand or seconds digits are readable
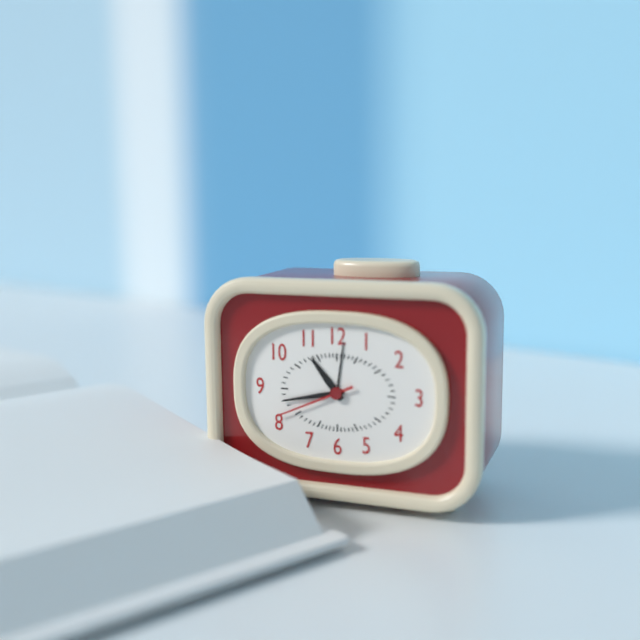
10:43:41
